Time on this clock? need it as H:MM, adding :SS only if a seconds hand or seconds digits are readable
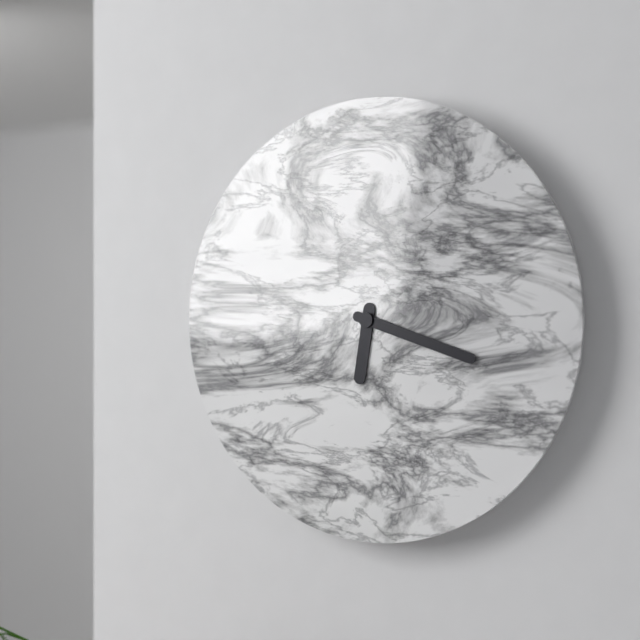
6:18
